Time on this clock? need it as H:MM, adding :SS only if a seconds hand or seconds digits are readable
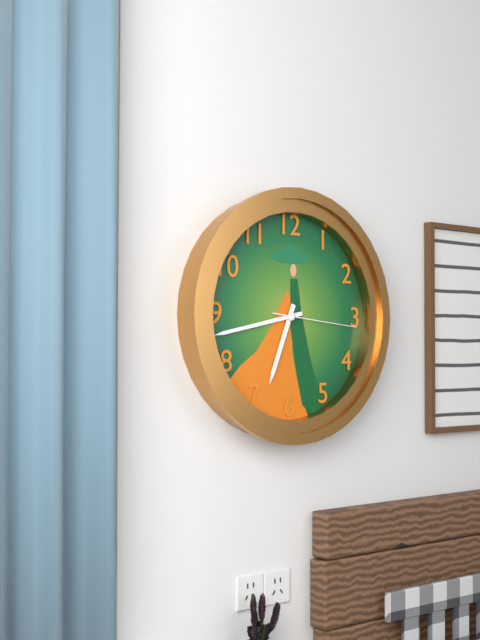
6:43:16
